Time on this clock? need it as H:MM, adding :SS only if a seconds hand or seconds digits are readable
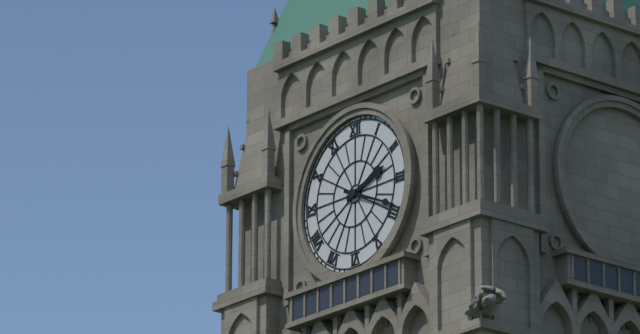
2:19
